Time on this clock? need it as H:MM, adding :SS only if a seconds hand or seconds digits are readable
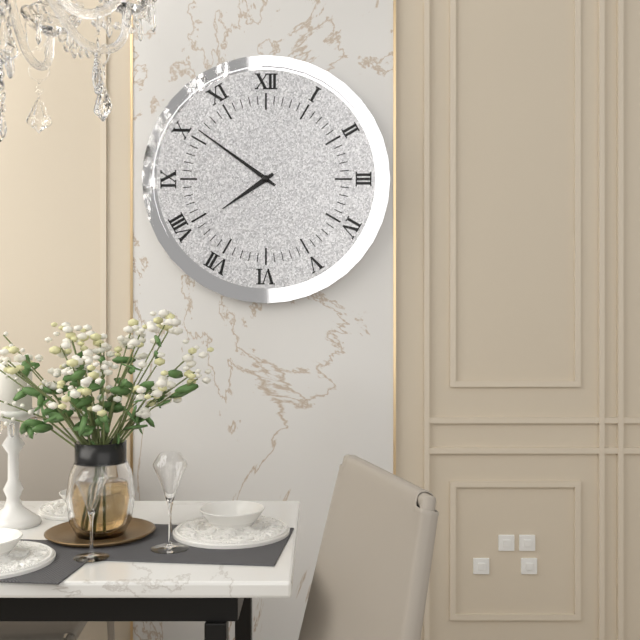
7:51
